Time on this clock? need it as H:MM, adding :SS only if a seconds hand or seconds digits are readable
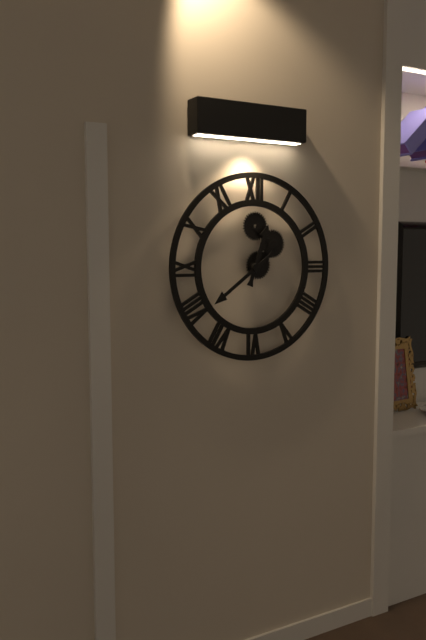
12:39
